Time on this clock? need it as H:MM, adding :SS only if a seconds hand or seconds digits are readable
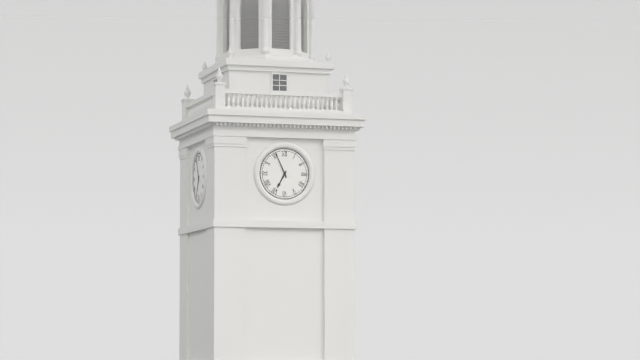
6:56
